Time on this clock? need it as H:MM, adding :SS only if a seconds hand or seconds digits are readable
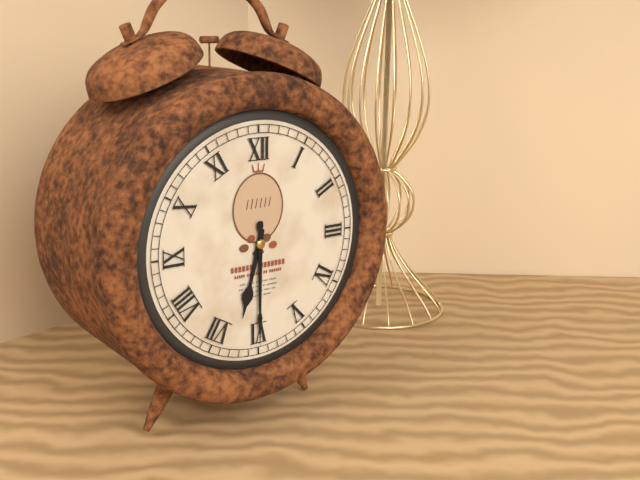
6:30
